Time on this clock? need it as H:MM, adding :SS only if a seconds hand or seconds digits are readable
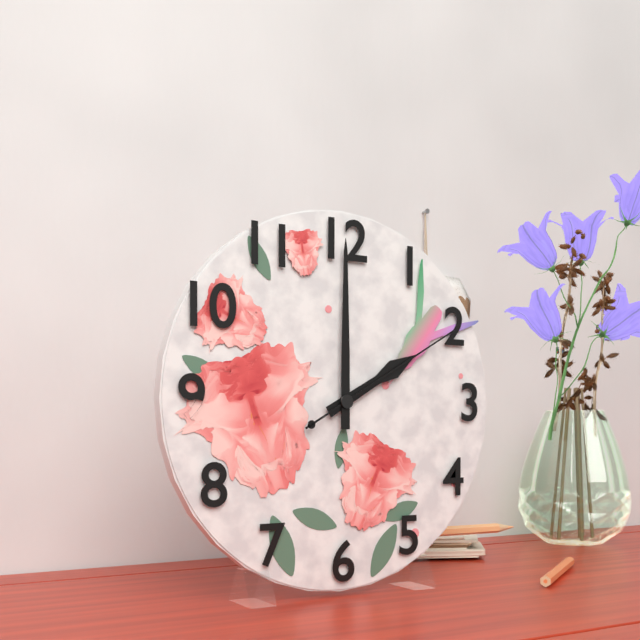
2:00:10
